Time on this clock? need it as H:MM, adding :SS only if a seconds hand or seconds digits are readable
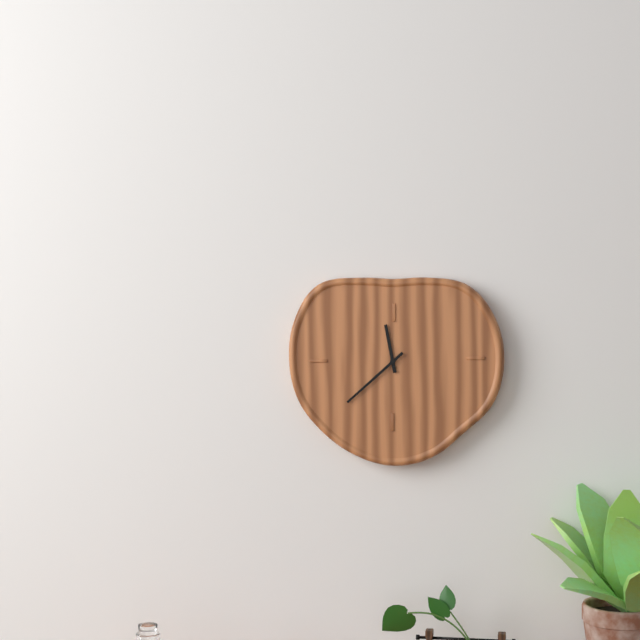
11:38
